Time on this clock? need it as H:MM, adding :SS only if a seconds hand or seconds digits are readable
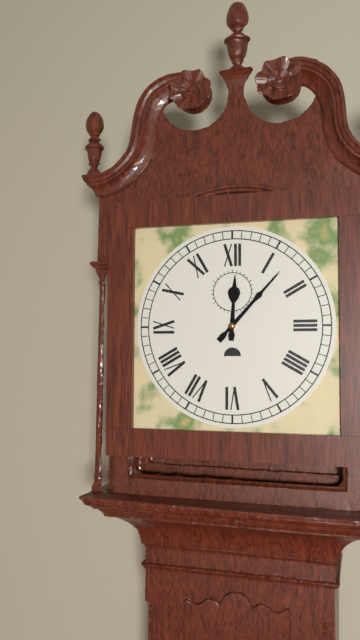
12:07
